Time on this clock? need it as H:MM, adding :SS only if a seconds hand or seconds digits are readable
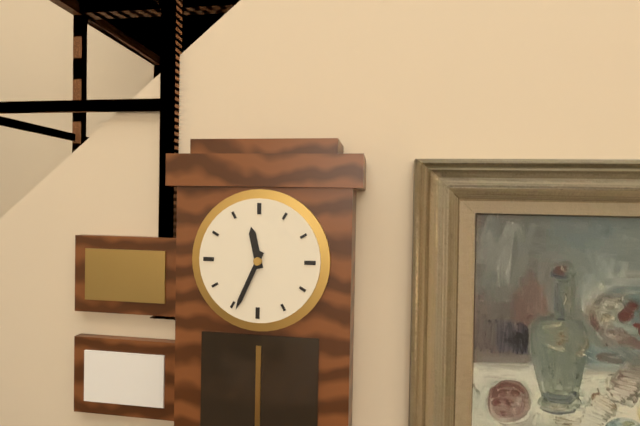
11:34
